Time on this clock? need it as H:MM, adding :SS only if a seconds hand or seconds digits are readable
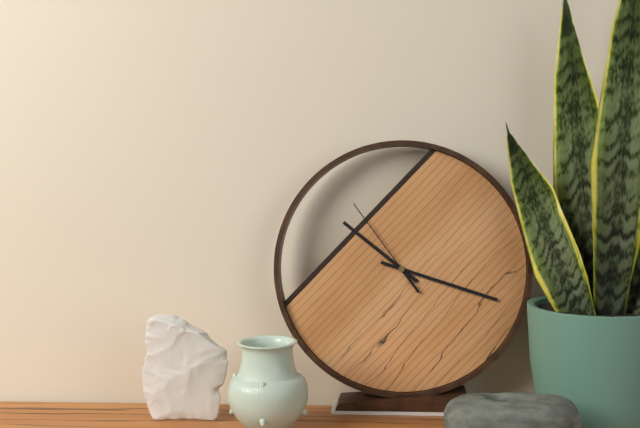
10:18:54
